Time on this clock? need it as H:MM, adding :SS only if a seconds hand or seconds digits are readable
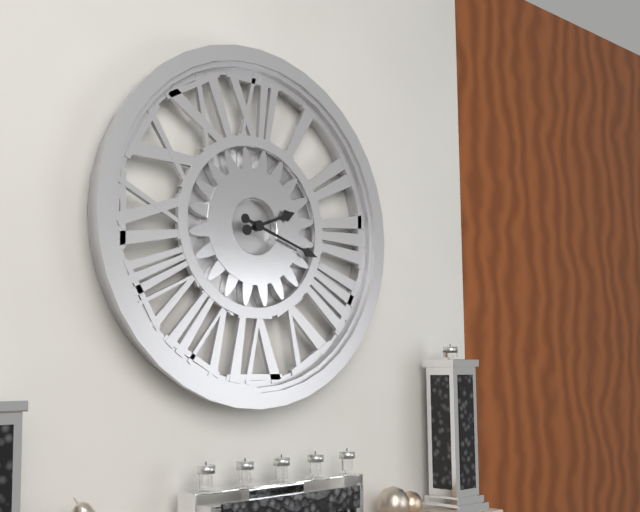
2:18
